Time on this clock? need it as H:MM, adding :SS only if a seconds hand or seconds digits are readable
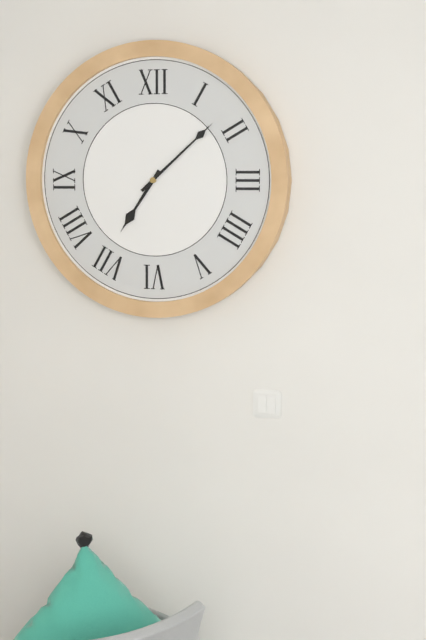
7:08
